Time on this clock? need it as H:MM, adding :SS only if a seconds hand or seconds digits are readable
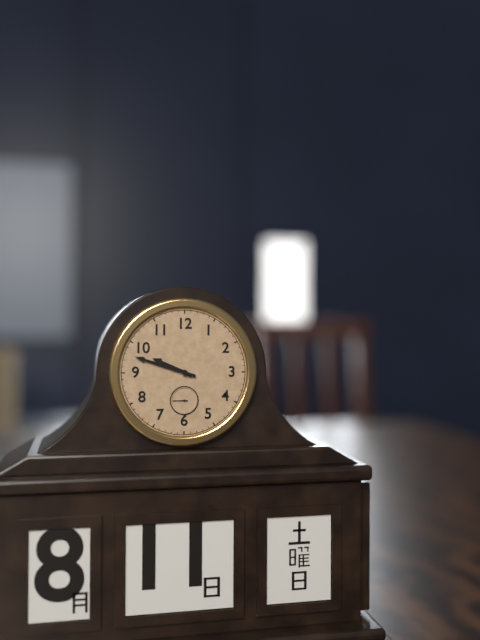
9:48
